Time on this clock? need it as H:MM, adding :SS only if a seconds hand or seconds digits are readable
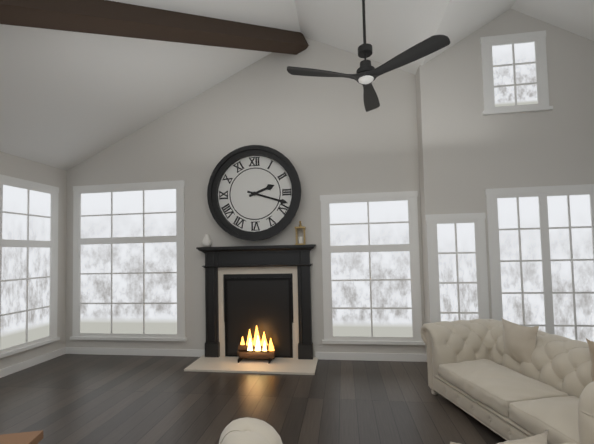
2:18
